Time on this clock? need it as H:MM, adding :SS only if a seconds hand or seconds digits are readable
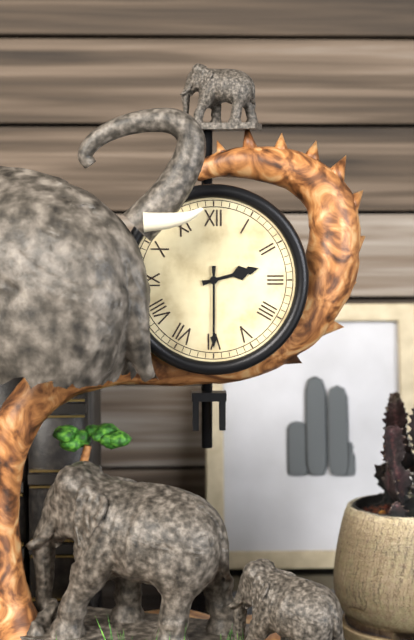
2:30
